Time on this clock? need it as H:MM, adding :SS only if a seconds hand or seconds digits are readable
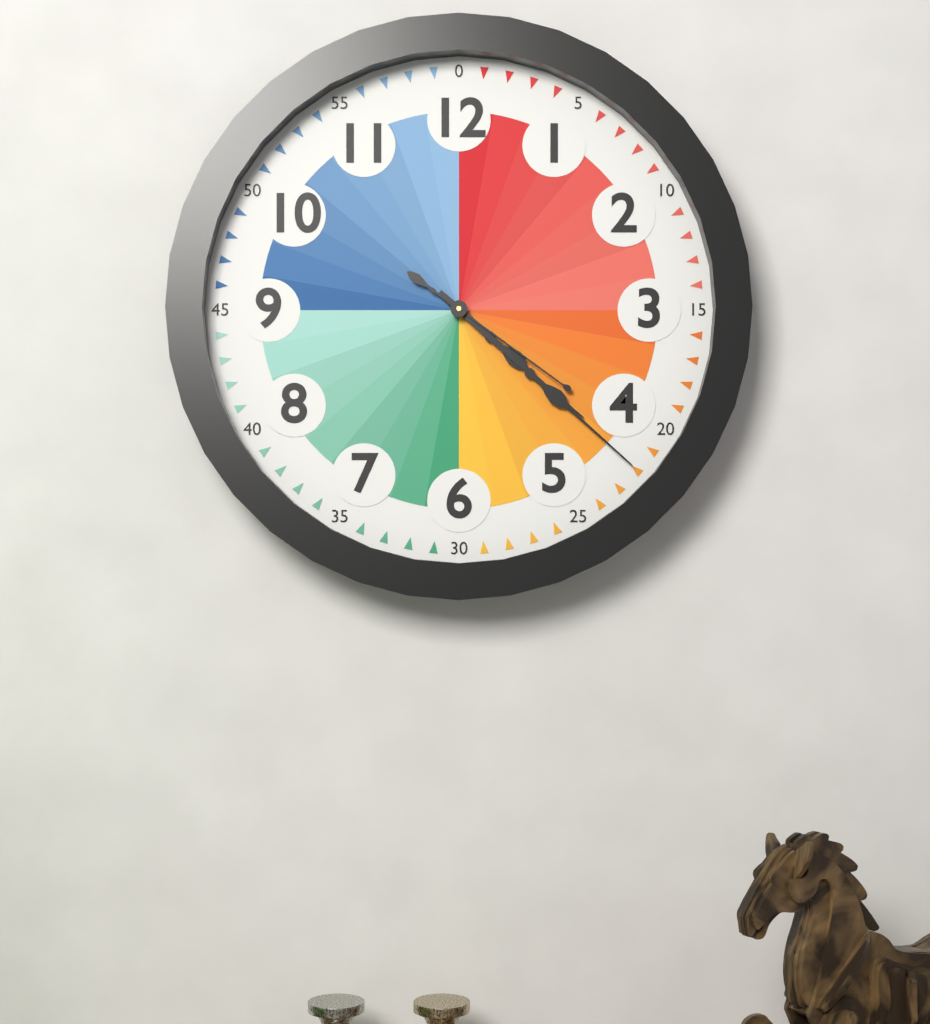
4:22:21
